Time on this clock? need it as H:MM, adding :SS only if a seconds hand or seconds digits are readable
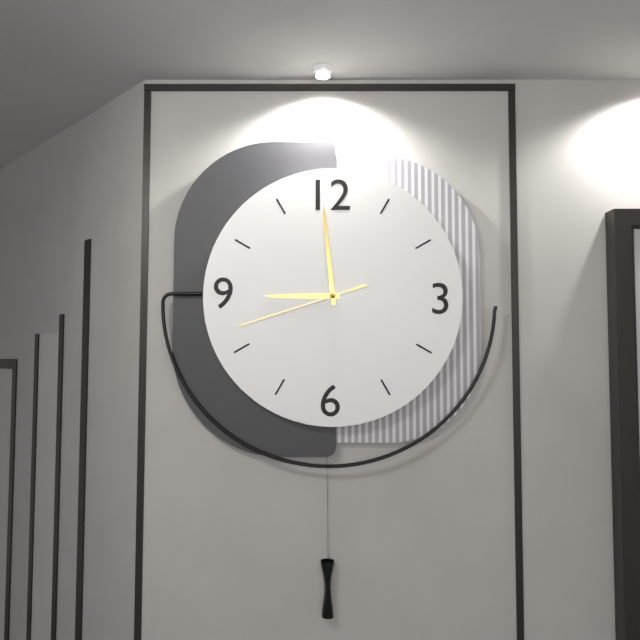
8:59:42
